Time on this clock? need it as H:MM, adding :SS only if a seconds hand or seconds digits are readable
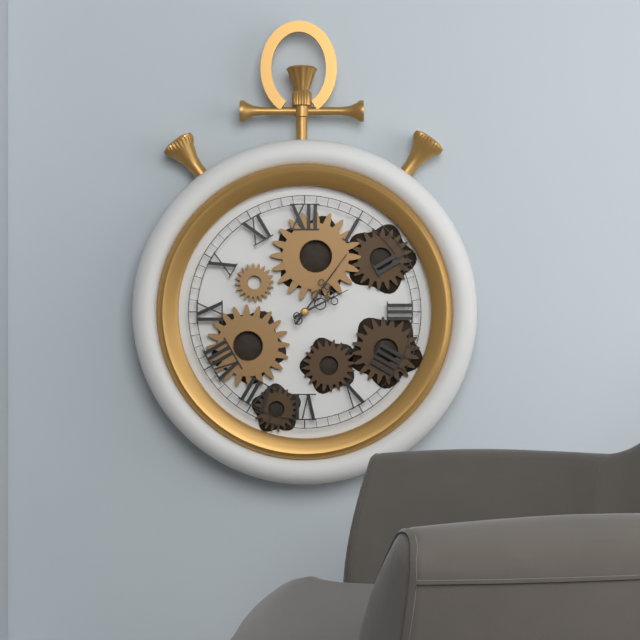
2:06
